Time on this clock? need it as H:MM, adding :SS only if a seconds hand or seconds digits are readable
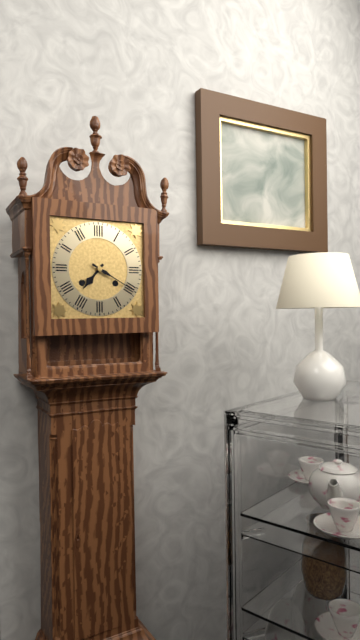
7:20
